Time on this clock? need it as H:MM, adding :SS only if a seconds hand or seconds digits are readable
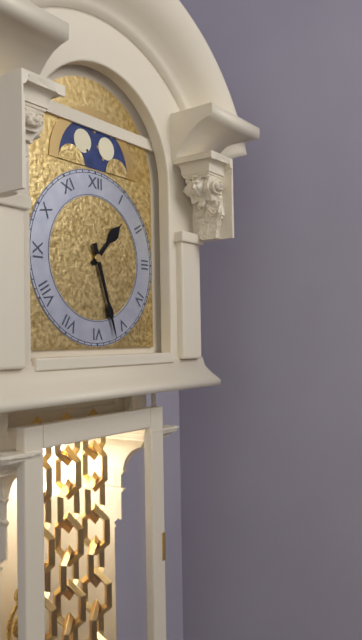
1:27
